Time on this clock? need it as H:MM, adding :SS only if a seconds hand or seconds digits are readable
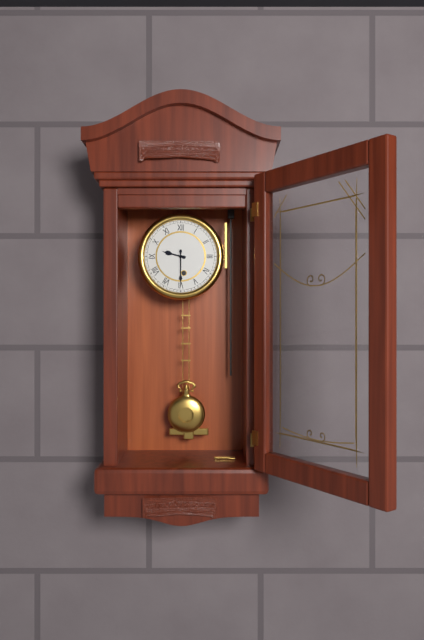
9:30
